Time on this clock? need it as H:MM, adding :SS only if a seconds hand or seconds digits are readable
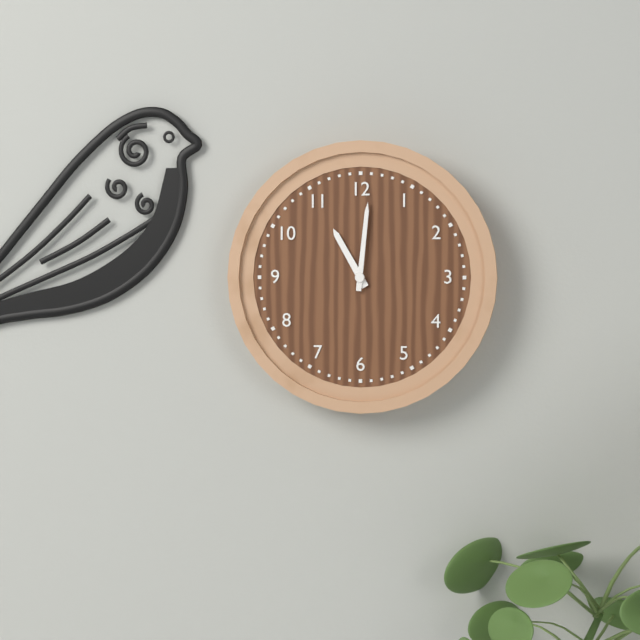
11:01
